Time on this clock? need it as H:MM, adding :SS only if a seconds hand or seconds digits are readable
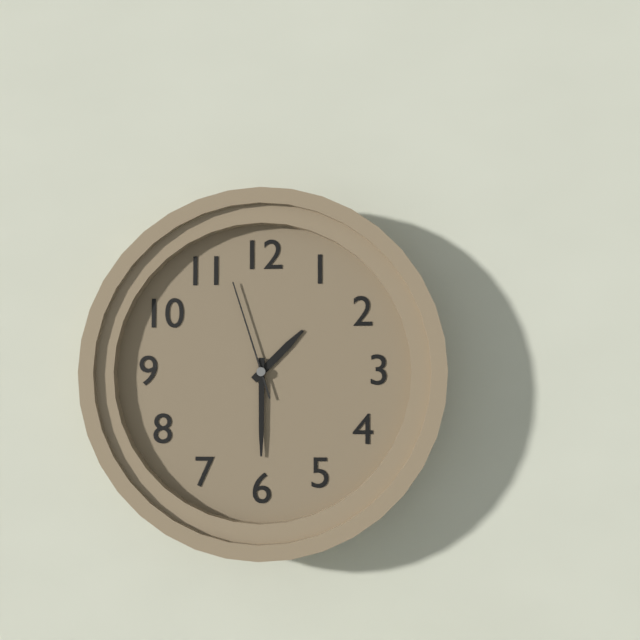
1:30:57
